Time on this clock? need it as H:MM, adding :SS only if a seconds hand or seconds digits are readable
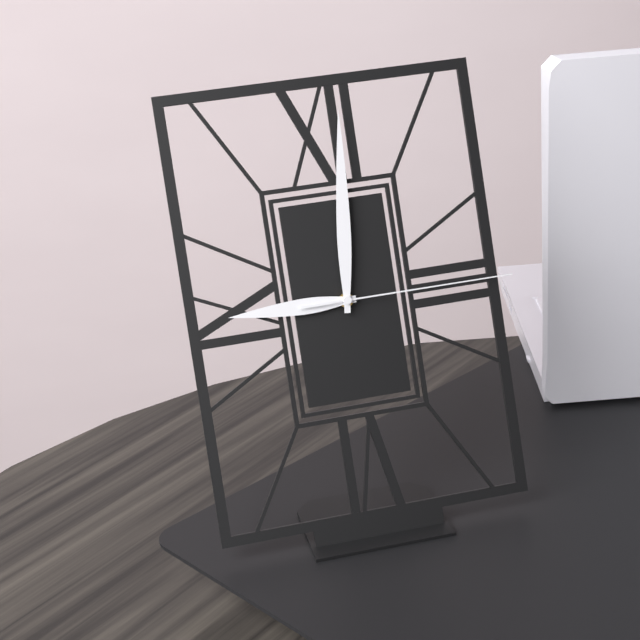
9:01:15
